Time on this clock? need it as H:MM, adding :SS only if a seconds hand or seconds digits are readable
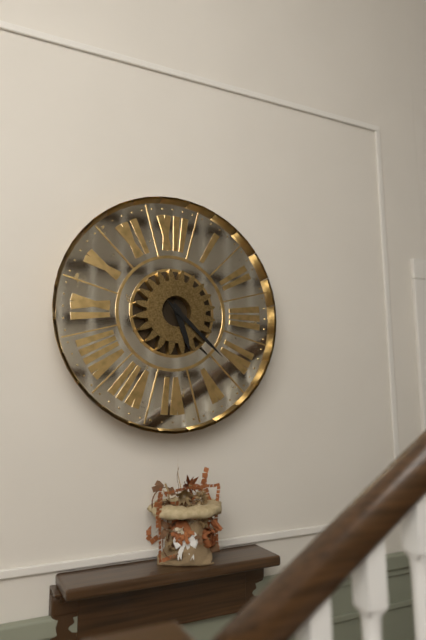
5:22
